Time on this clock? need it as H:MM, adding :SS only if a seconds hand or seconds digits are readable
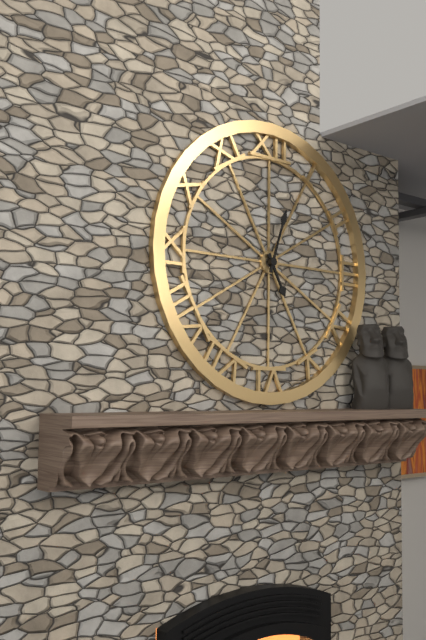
5:03
